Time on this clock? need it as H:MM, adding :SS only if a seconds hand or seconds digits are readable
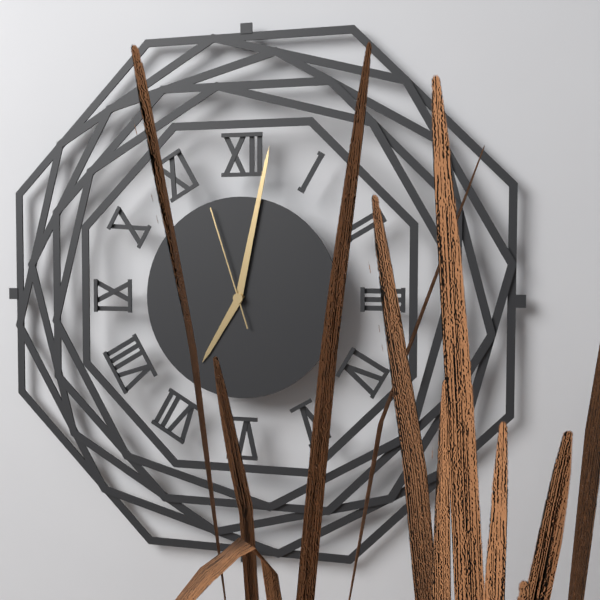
7:02:57
